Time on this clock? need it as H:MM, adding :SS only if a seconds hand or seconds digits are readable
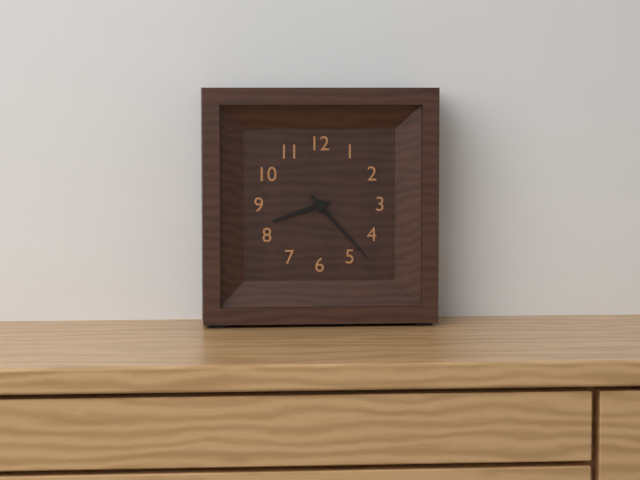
8:23
